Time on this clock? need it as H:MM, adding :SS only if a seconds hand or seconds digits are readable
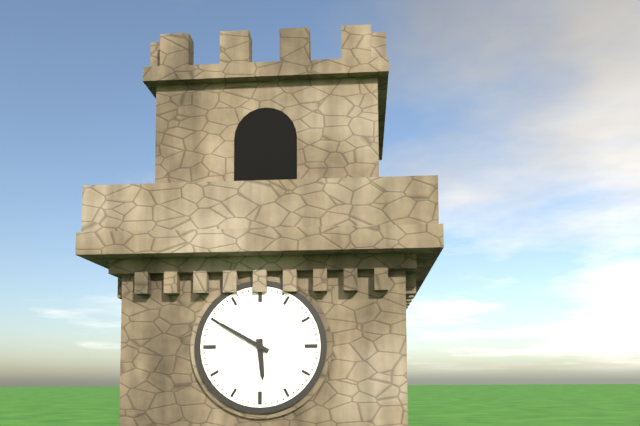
5:50
